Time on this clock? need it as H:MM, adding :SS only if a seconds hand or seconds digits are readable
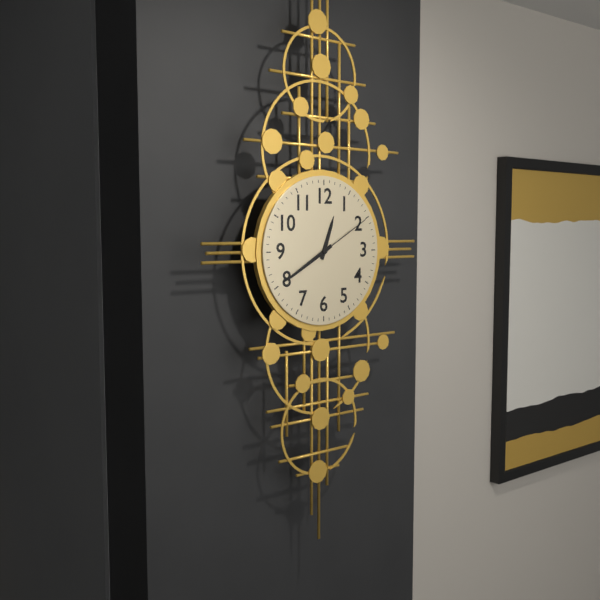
12:40:10
